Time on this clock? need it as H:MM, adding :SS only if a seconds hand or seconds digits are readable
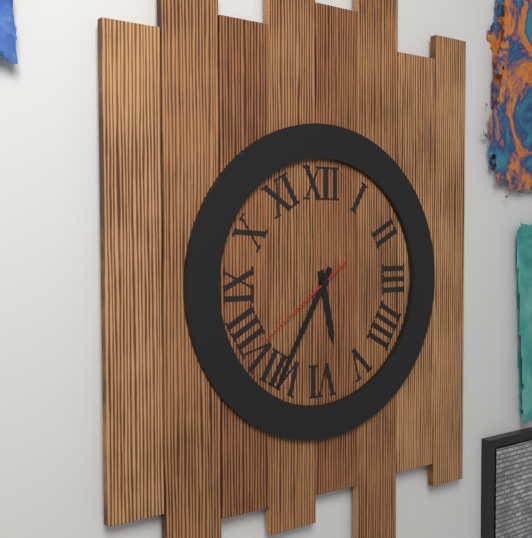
5:35:39
